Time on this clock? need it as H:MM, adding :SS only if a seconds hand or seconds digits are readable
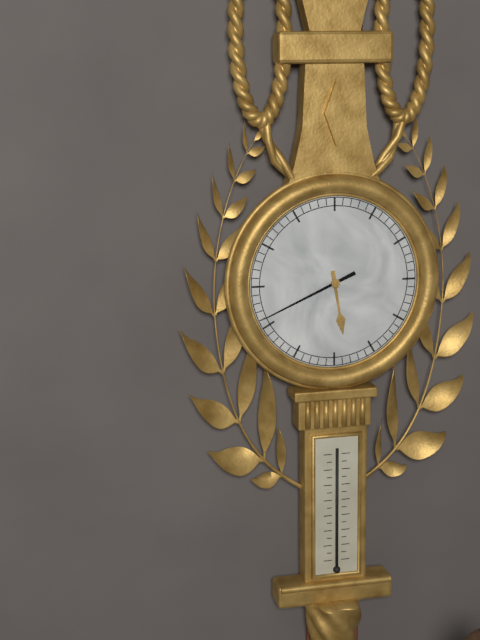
5:41
